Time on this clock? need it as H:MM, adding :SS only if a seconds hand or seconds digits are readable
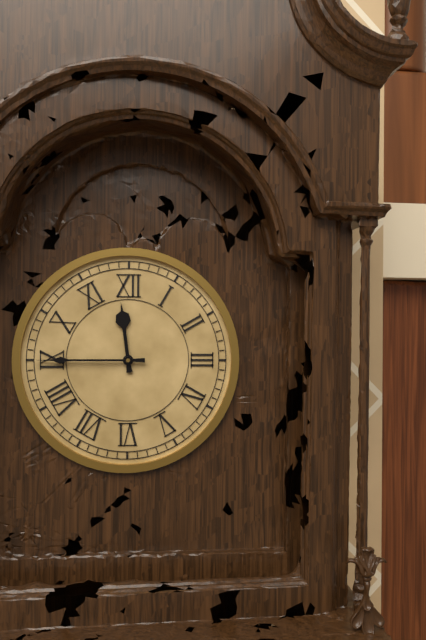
11:45
